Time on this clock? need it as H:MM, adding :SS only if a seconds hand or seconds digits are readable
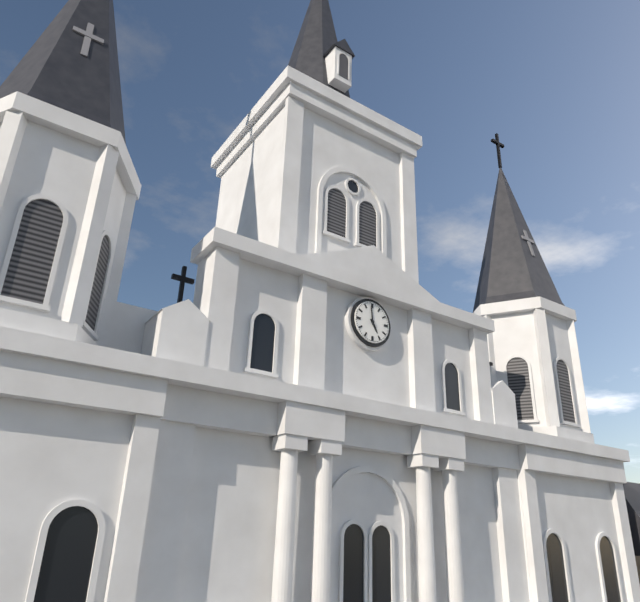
4:59
